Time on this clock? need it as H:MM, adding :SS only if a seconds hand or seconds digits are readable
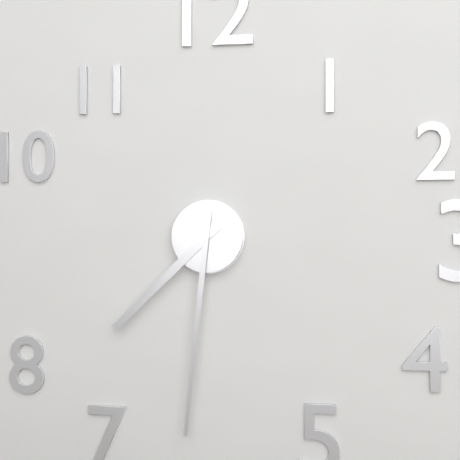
7:31
